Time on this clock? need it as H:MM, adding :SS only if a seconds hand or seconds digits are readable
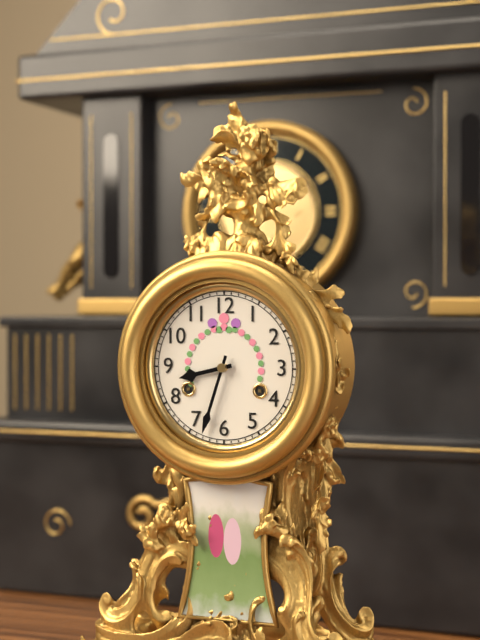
8:33
